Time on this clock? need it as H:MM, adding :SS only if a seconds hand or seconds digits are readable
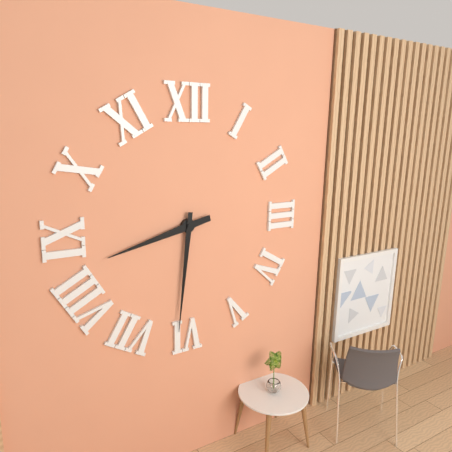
8:31
